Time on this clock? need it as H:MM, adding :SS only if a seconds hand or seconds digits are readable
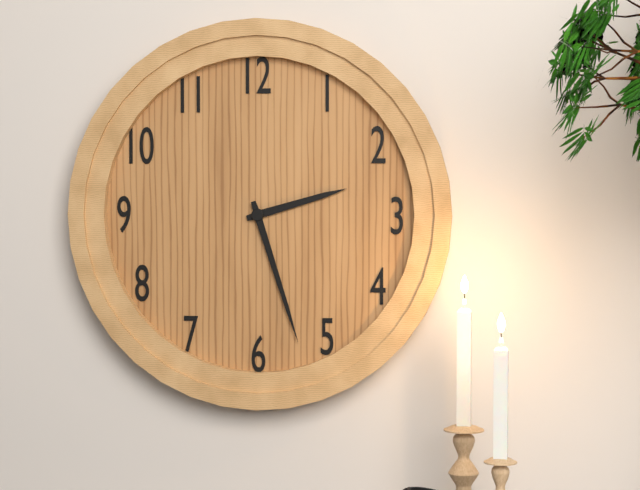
2:27
